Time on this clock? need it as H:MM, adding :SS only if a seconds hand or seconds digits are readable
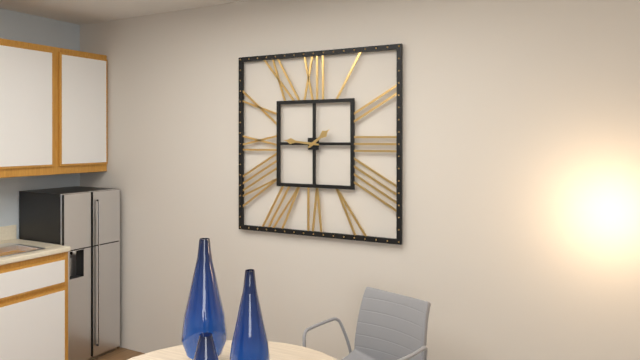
1:46
